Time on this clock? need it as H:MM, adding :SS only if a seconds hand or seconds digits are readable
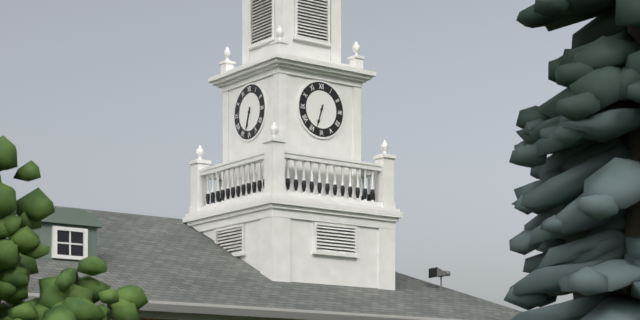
6:33
